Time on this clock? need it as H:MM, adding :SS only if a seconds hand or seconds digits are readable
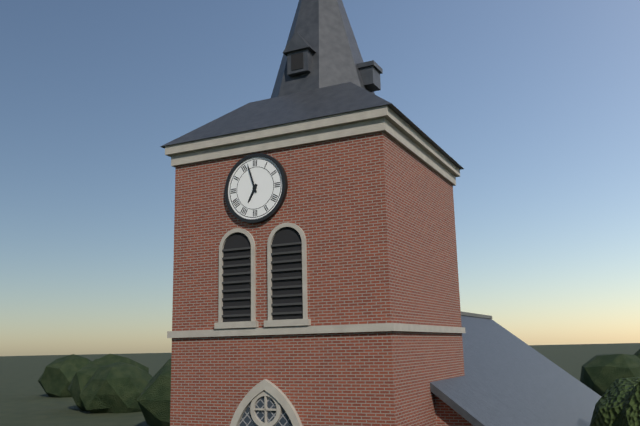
6:57
